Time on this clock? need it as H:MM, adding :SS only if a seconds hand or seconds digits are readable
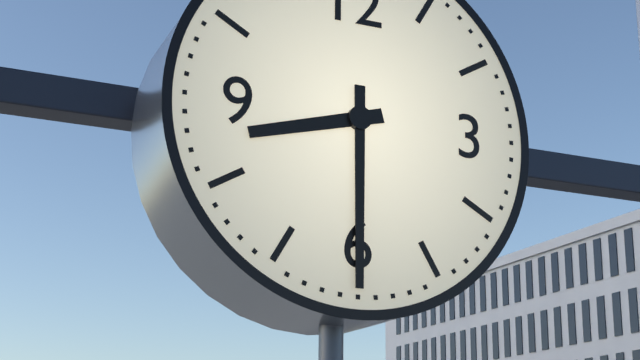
8:30
